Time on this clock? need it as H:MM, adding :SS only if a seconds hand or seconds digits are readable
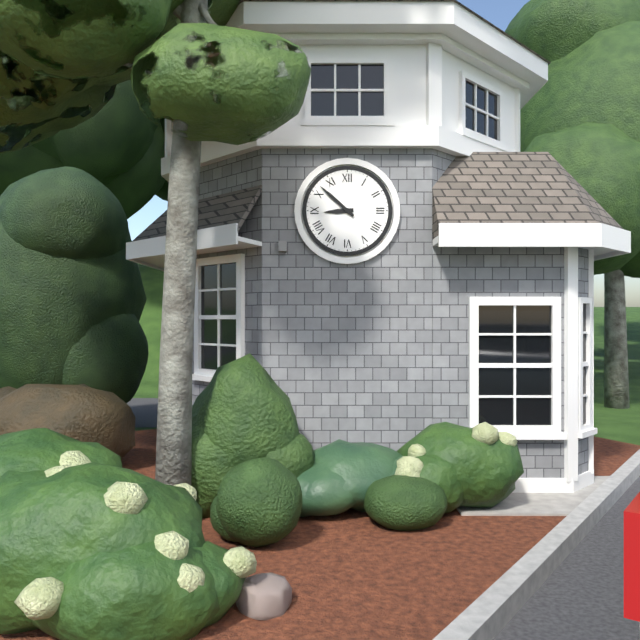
8:52
